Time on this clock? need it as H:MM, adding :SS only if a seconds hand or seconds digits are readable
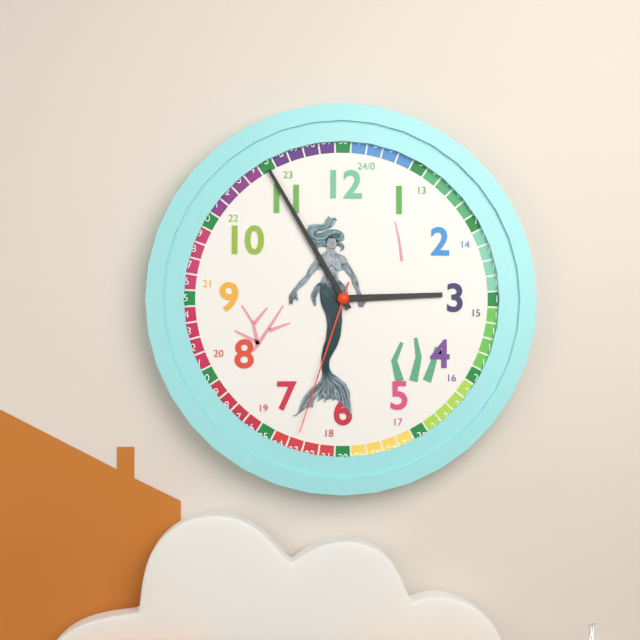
2:55:33
